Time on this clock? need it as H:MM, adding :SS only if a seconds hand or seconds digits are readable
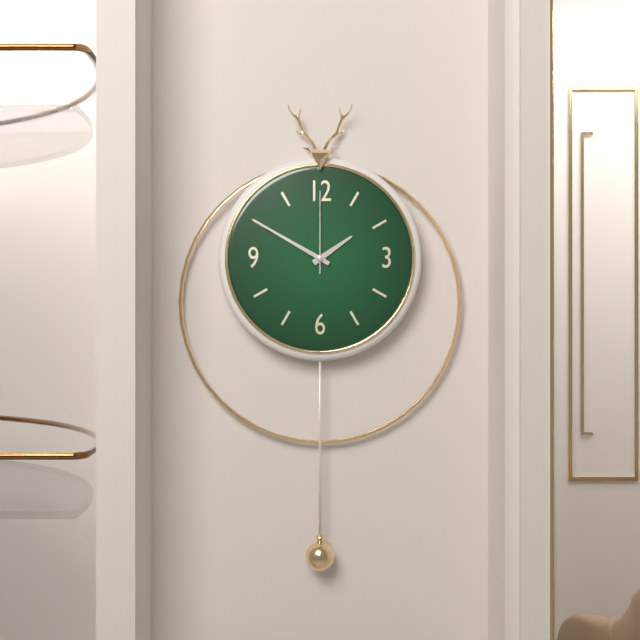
1:50:00
